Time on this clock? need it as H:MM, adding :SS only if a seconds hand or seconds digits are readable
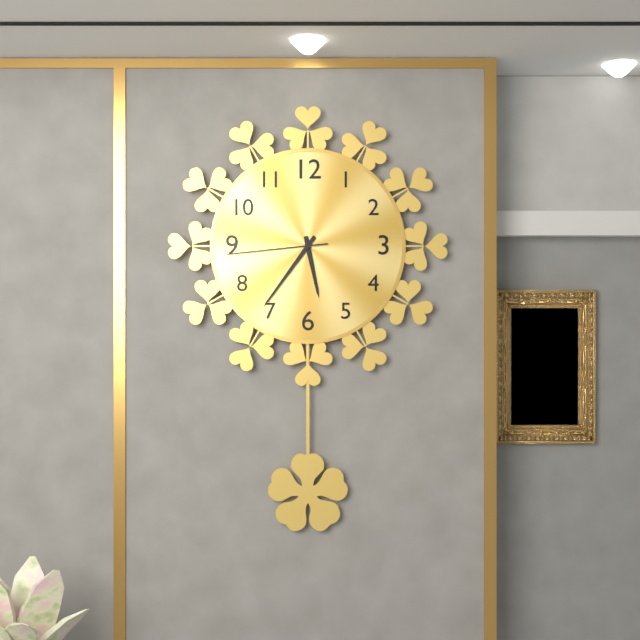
5:36:44
